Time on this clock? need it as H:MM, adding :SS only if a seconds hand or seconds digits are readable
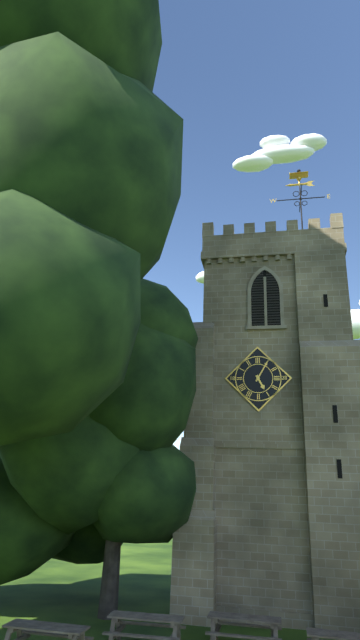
5:05
